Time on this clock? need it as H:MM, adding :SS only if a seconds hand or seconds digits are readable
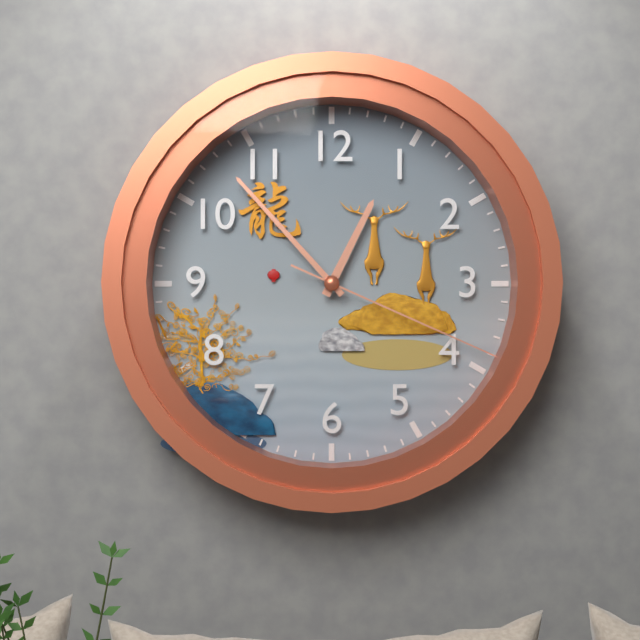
12:53:19
